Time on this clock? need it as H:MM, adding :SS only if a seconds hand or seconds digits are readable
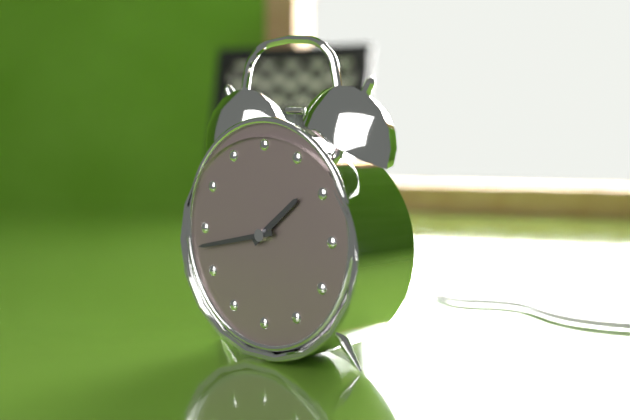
1:43
